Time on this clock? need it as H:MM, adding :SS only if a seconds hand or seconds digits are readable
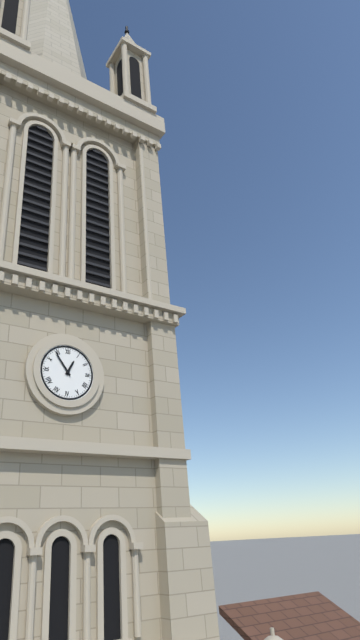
12:54
